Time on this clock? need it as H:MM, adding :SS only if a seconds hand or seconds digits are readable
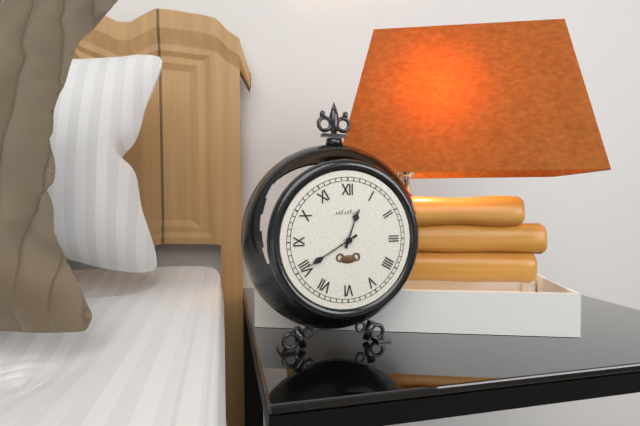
12:40
